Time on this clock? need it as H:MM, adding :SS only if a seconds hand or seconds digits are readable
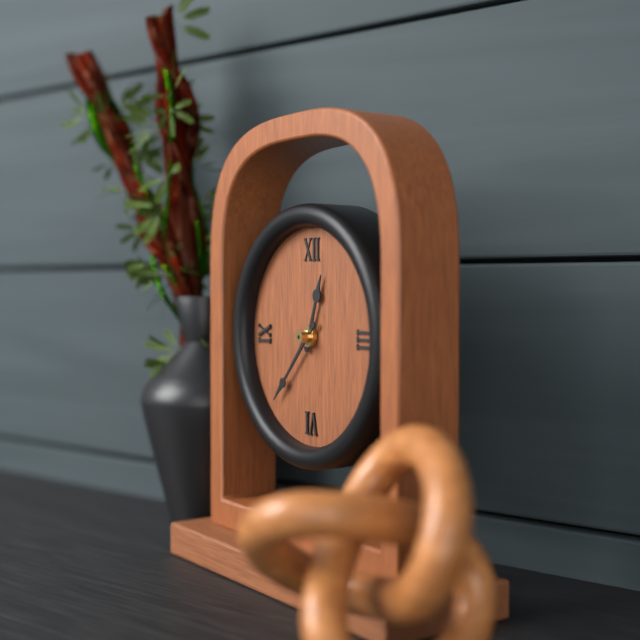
12:37
